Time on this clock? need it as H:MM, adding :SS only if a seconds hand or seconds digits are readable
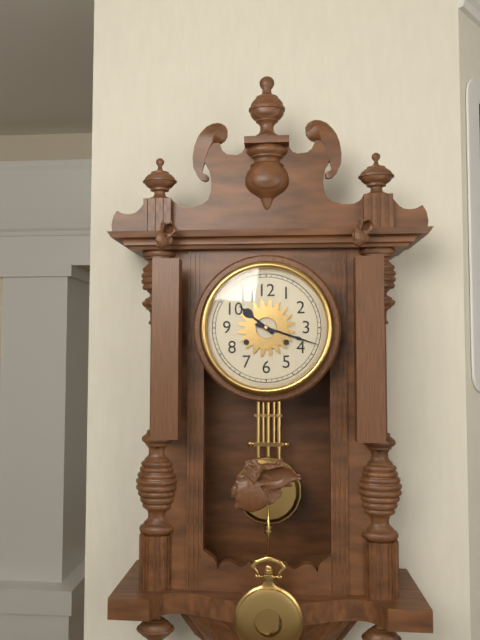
10:18
